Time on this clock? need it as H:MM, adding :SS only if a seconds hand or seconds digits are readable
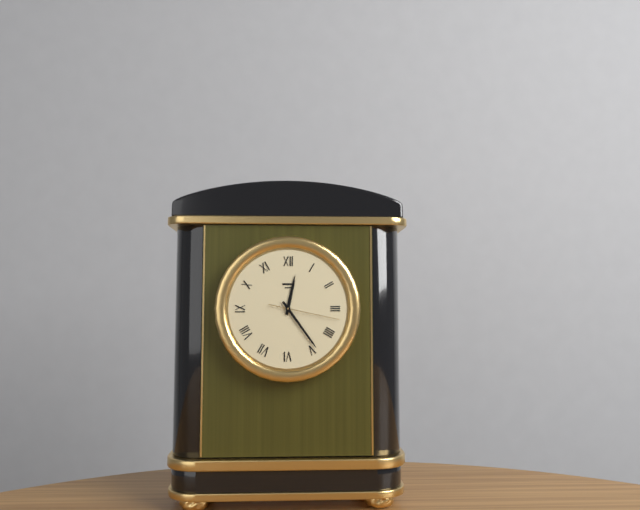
12:24:17
